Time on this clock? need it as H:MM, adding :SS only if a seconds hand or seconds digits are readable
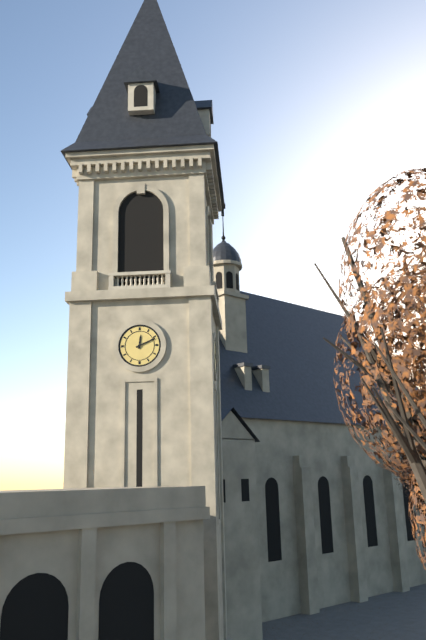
12:11
